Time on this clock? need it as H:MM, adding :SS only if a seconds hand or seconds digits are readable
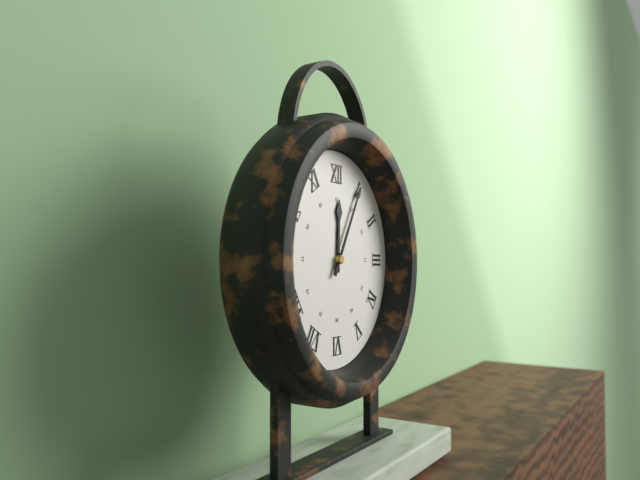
12:05
